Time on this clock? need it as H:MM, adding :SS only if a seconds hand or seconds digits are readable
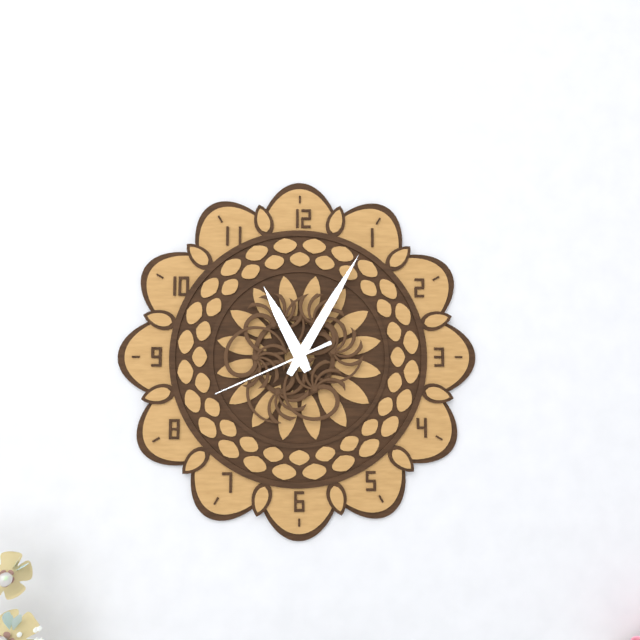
11:05:41
